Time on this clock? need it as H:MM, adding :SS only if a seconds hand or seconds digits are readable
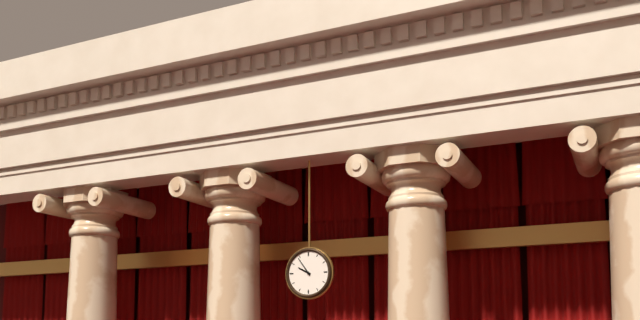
9:54
